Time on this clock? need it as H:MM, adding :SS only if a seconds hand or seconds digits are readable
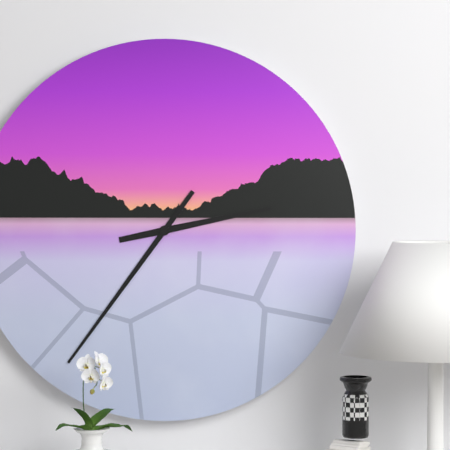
2:36
